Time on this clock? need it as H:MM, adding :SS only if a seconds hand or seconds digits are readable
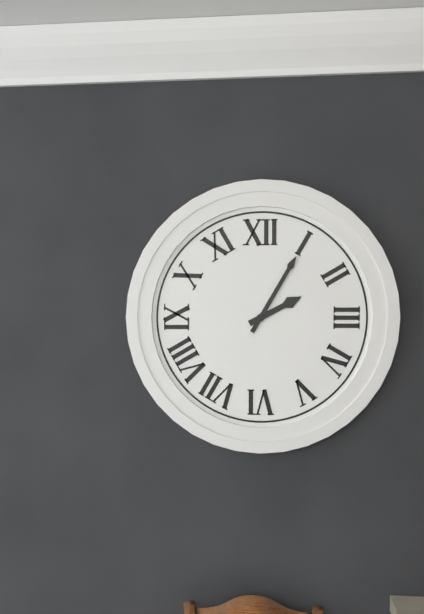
2:05
